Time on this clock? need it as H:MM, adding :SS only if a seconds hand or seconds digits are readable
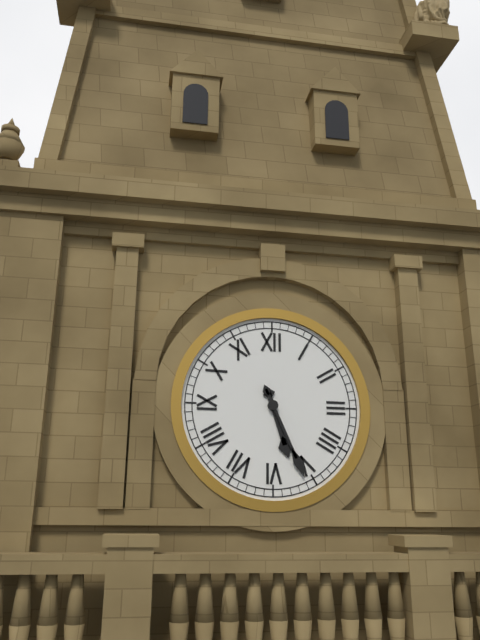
5:26
